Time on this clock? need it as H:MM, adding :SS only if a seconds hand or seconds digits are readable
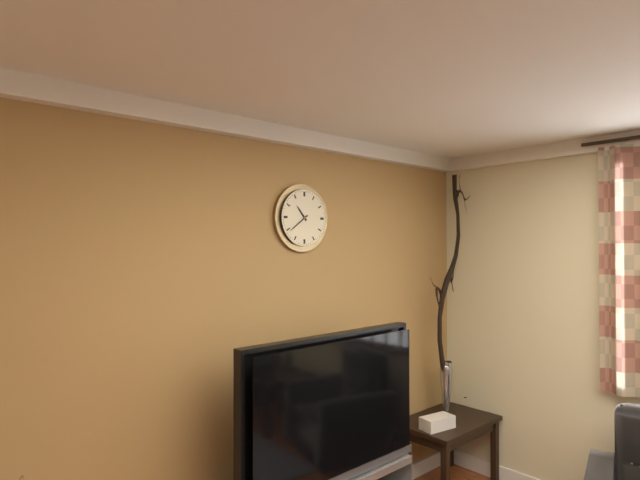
10:39
